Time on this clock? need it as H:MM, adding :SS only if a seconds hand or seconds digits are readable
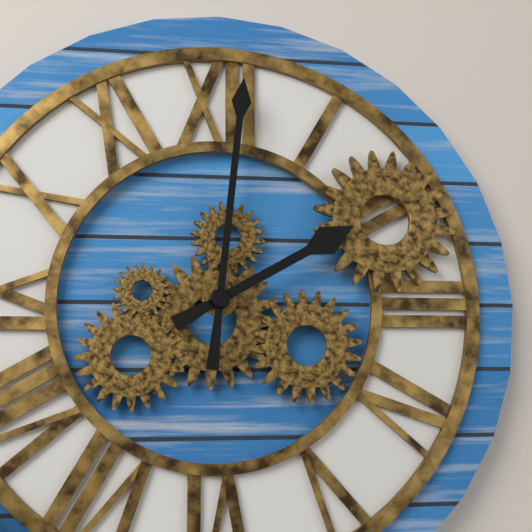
2:01
